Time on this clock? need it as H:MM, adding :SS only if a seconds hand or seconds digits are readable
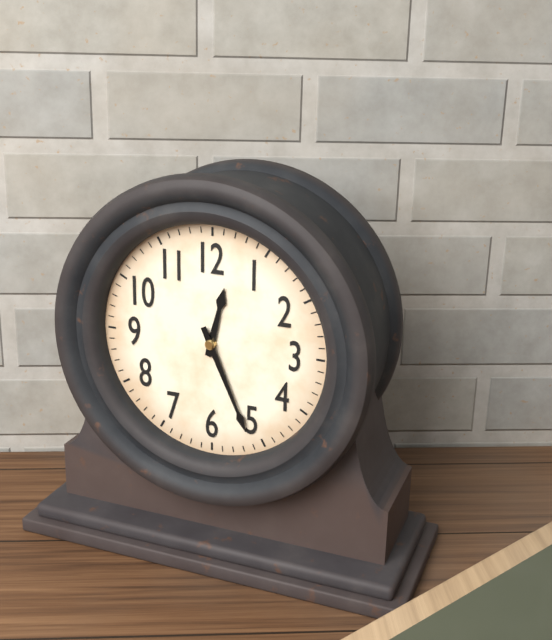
12:26
